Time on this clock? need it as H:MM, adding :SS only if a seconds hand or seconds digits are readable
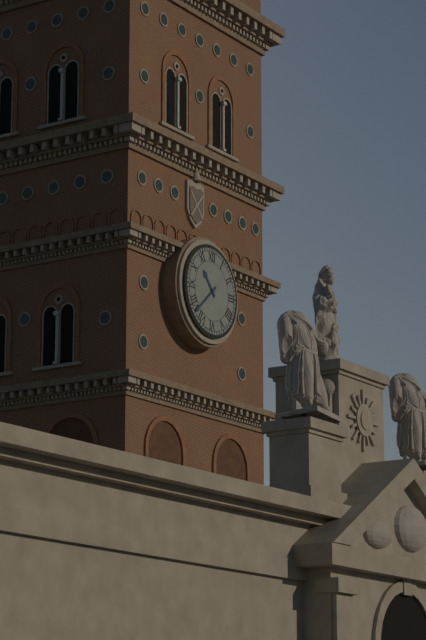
10:38
